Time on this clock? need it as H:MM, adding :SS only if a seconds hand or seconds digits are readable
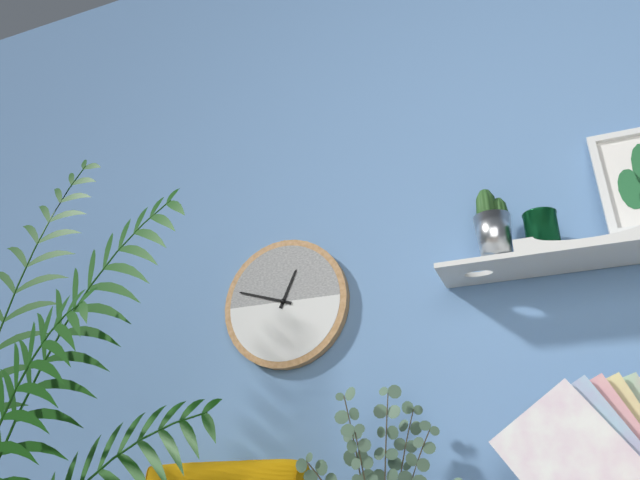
12:48
